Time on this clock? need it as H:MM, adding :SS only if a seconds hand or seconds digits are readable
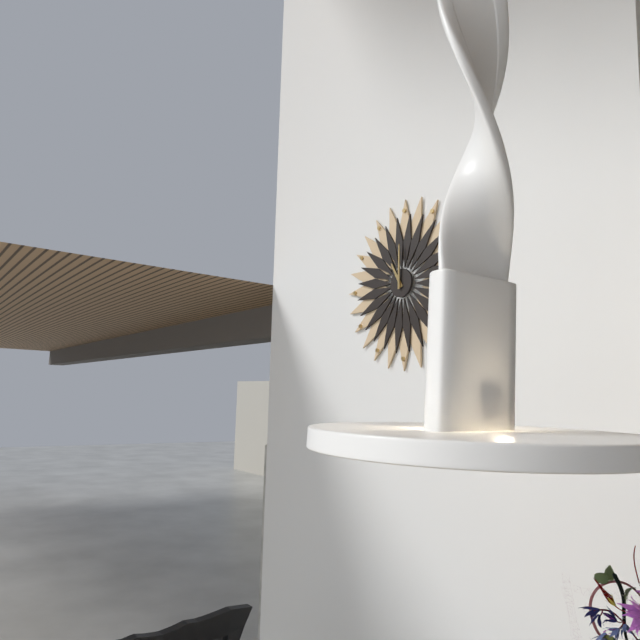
11:00
